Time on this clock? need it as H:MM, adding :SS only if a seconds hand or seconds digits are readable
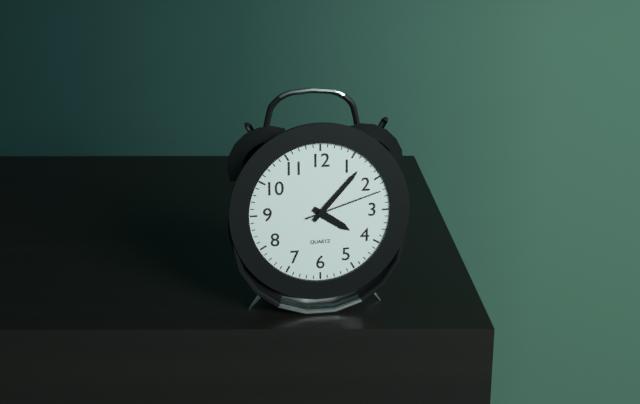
4:07:12
